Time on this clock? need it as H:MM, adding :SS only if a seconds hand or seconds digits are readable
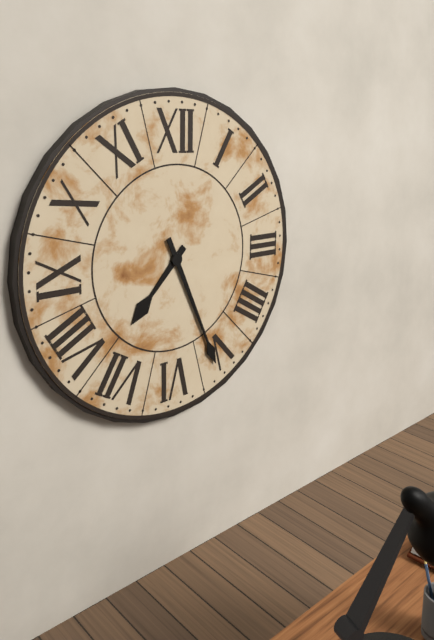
7:26
